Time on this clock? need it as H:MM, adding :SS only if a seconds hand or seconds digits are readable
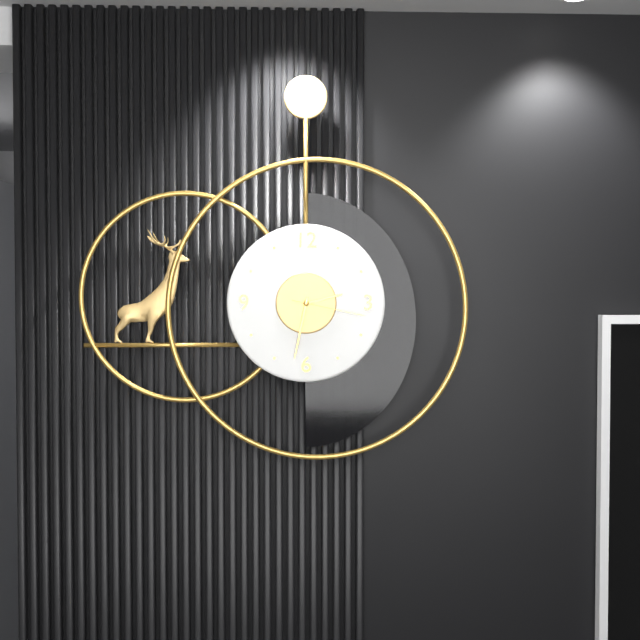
2:32:17
